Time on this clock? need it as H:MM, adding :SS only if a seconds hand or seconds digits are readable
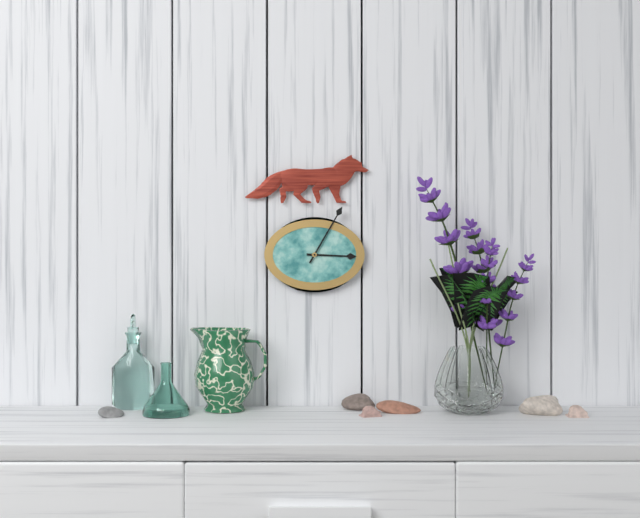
3:05
